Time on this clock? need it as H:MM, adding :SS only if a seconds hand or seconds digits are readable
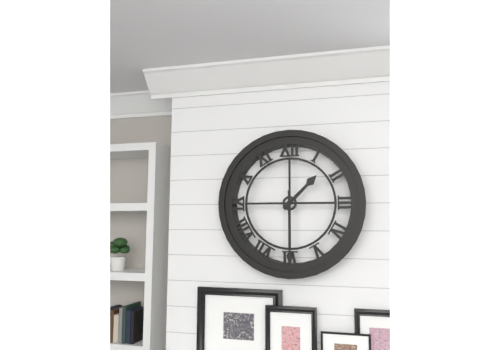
1:30
